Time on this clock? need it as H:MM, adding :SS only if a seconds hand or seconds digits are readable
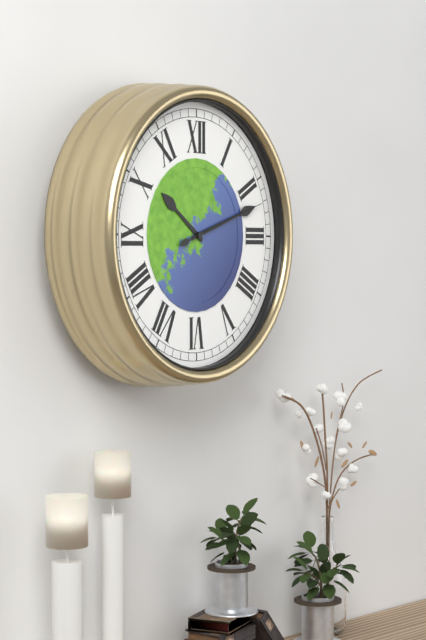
10:12:12
